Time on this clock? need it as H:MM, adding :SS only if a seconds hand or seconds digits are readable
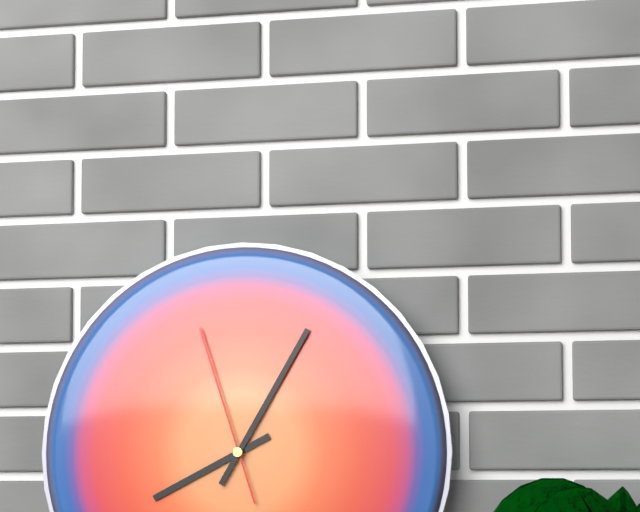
8:05:57
